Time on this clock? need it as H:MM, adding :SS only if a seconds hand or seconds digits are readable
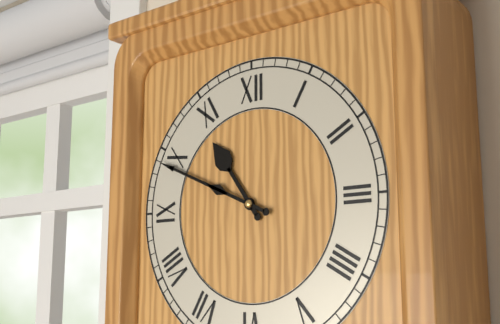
10:49
